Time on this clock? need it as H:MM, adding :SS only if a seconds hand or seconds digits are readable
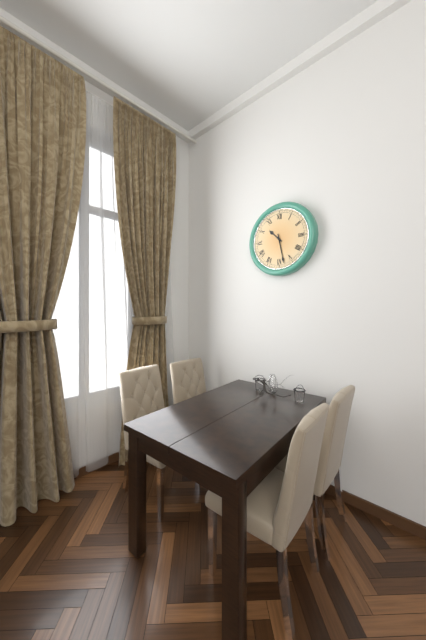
10:28
